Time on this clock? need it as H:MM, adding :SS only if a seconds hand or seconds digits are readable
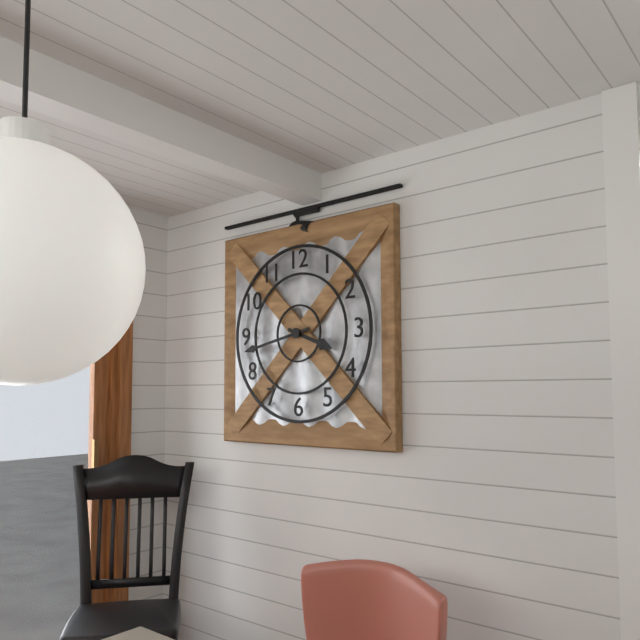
3:43
